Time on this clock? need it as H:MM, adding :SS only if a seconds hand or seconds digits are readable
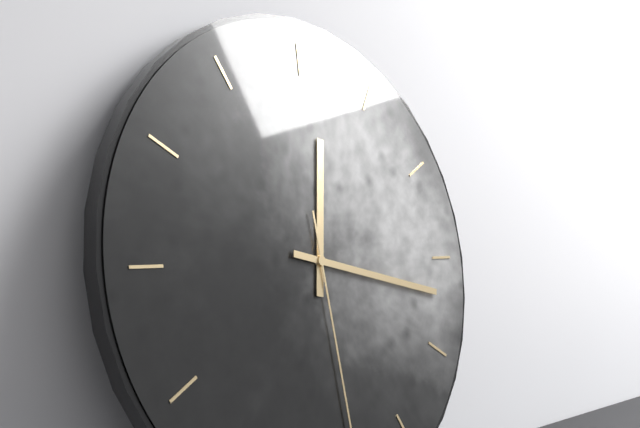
12:17
